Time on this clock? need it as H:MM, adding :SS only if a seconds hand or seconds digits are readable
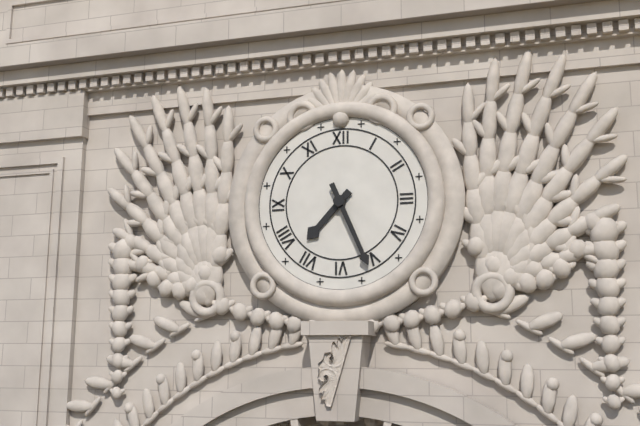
7:26
